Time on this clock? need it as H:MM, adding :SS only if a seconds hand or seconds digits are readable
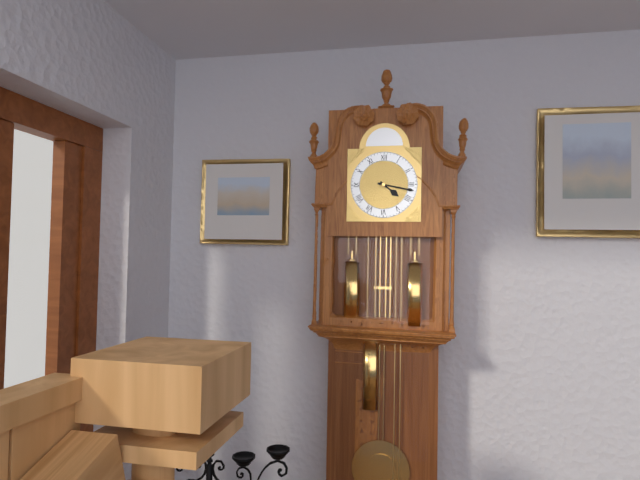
4:17
